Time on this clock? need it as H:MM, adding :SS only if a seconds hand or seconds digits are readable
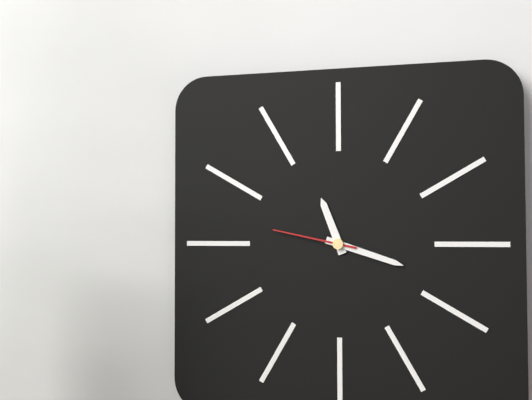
11:18:47
